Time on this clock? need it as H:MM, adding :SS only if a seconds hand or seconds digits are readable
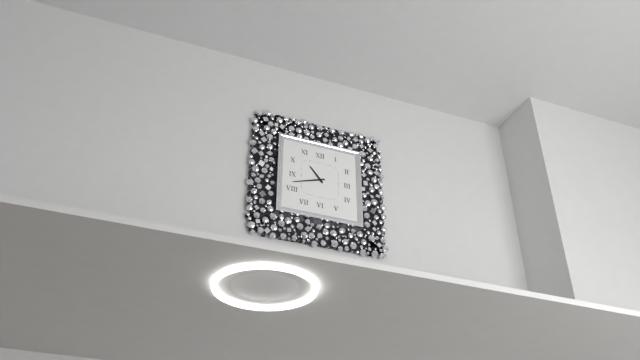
10:42
